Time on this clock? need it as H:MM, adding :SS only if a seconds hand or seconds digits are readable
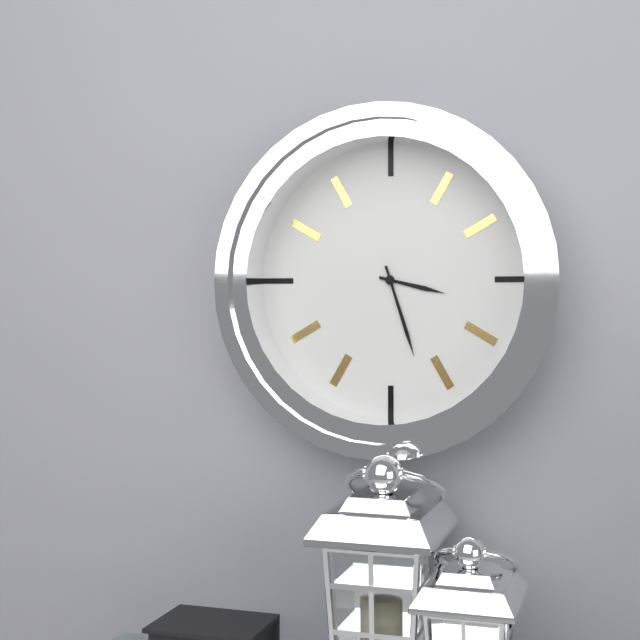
3:27
